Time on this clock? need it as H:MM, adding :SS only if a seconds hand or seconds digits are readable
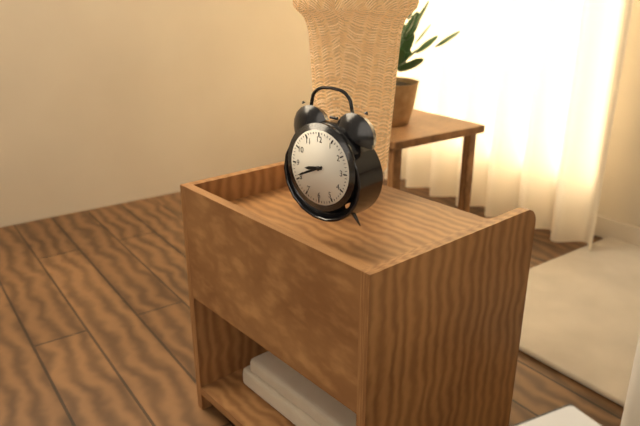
8:41
